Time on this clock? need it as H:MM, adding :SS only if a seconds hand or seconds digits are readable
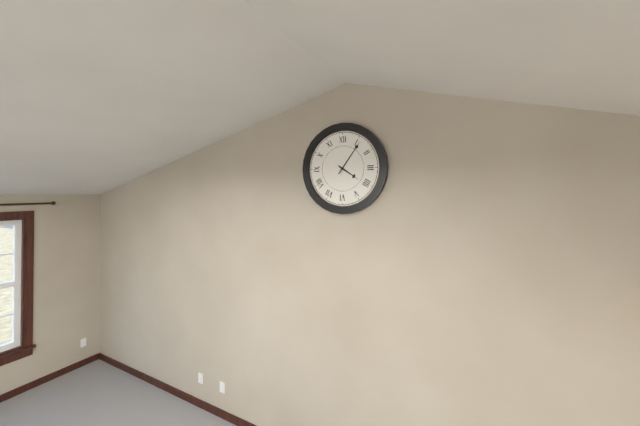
4:06
